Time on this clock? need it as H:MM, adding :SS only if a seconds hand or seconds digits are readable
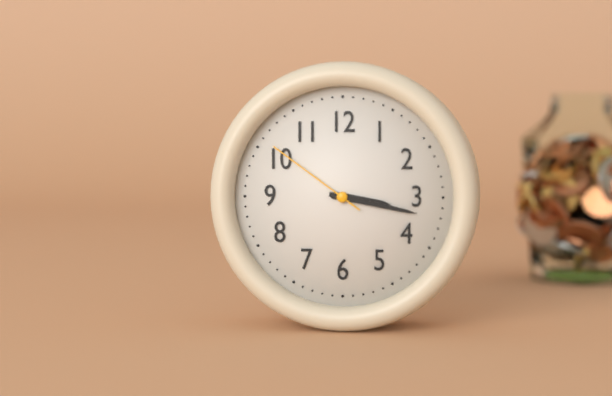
3:17:51
